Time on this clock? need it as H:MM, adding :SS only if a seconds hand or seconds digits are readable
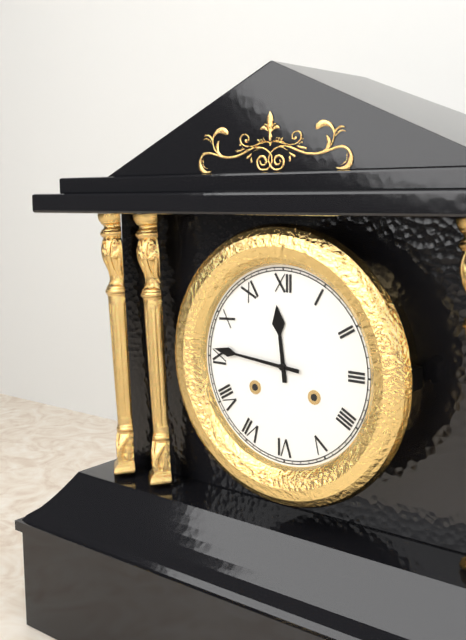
11:46
